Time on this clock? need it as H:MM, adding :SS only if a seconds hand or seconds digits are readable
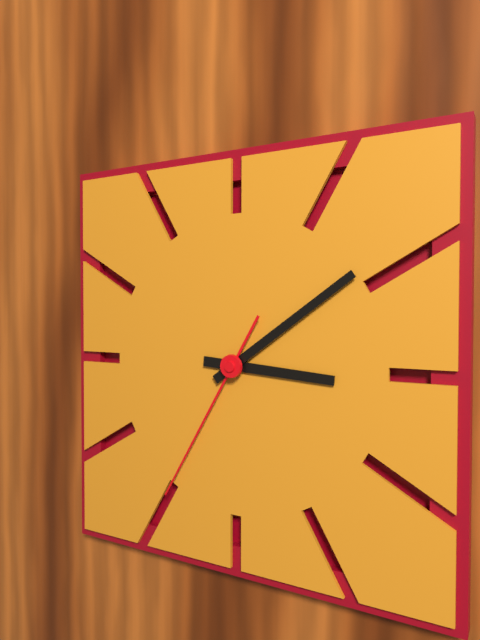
3:09:35
